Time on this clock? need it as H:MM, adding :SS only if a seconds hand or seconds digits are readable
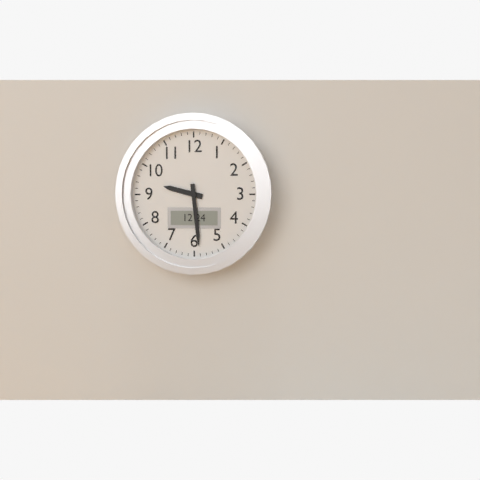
9:29
